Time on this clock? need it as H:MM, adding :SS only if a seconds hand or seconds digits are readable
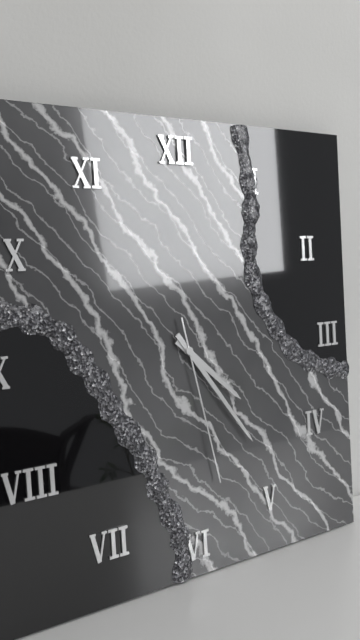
4:24:28
